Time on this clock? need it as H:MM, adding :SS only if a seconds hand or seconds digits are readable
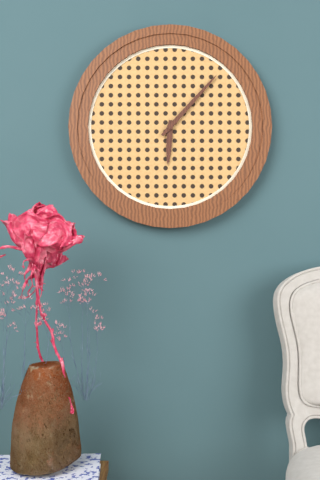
6:07
